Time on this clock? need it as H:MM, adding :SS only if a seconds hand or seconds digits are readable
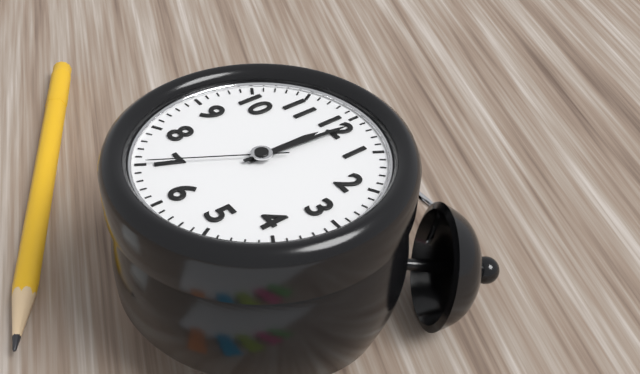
12:01:35
